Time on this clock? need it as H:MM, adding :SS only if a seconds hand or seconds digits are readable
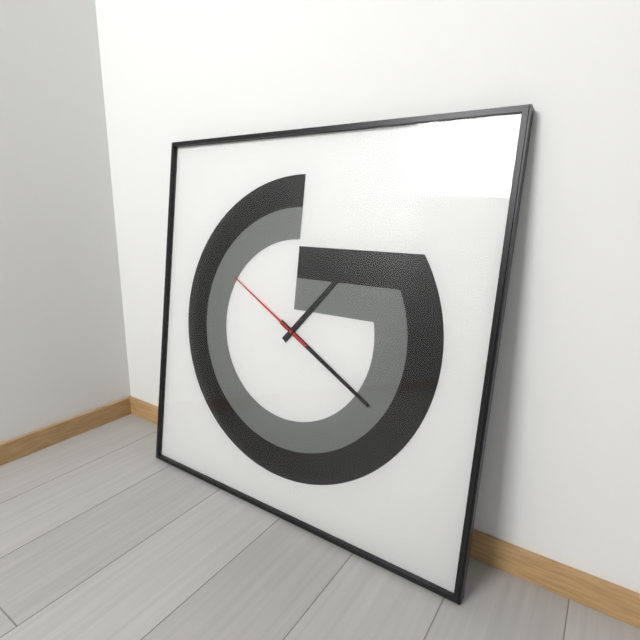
1:20:50
